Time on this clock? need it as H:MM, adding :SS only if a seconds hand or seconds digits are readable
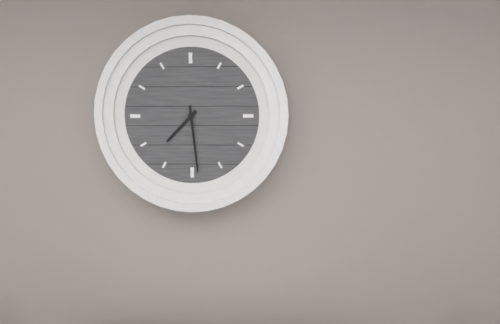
7:29
